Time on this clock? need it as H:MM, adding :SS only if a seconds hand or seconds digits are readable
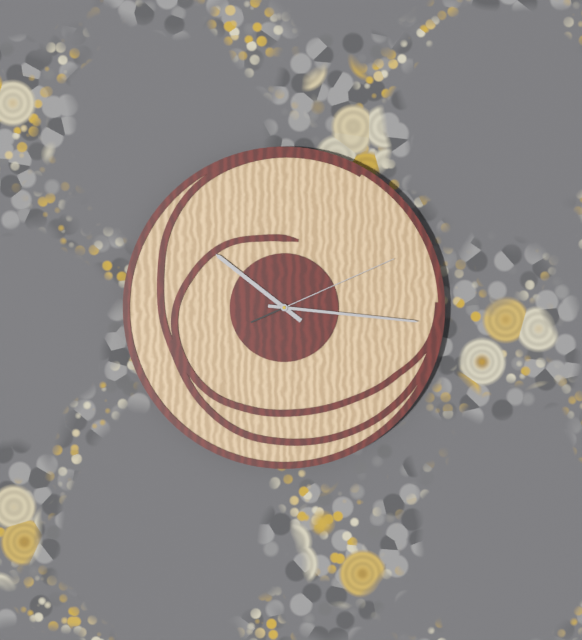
10:16:11
